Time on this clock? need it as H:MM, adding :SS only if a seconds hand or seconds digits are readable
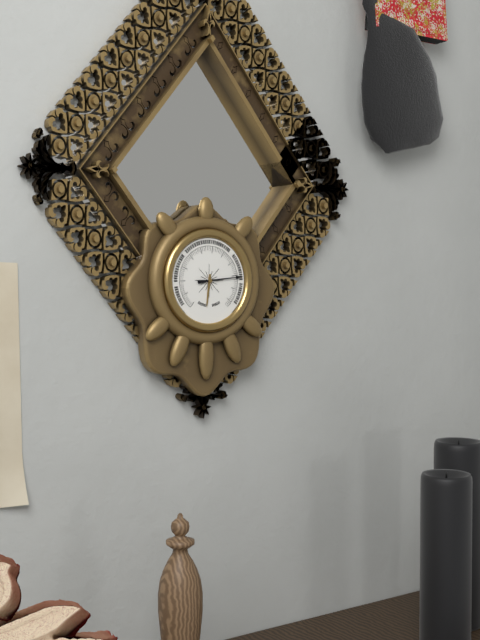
6:14
